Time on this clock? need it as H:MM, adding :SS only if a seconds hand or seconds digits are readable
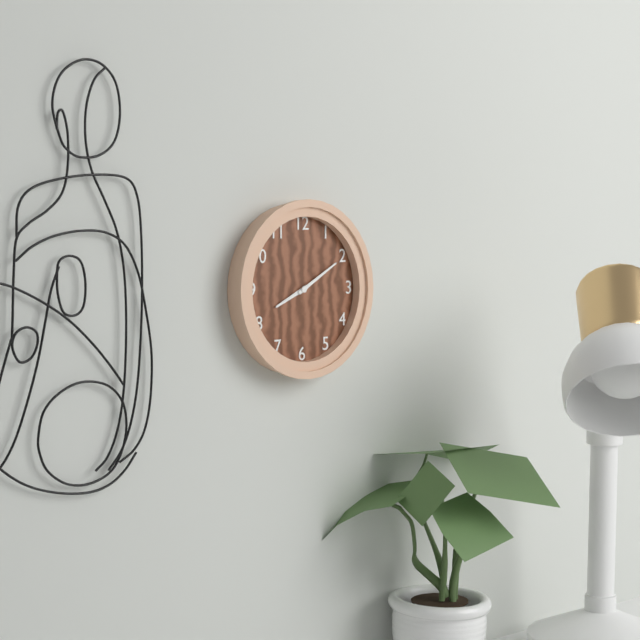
8:10
